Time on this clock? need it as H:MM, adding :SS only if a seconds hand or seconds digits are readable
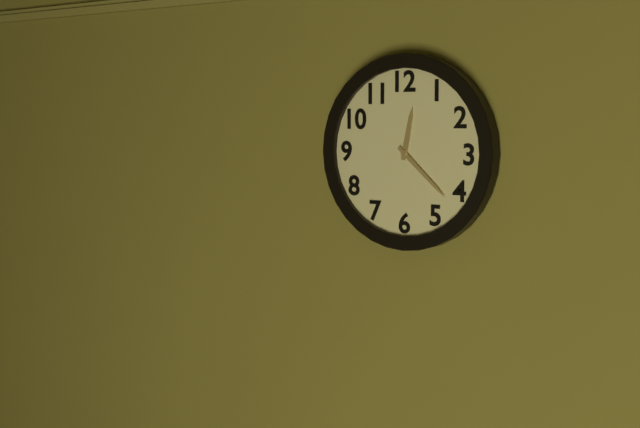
12:22
